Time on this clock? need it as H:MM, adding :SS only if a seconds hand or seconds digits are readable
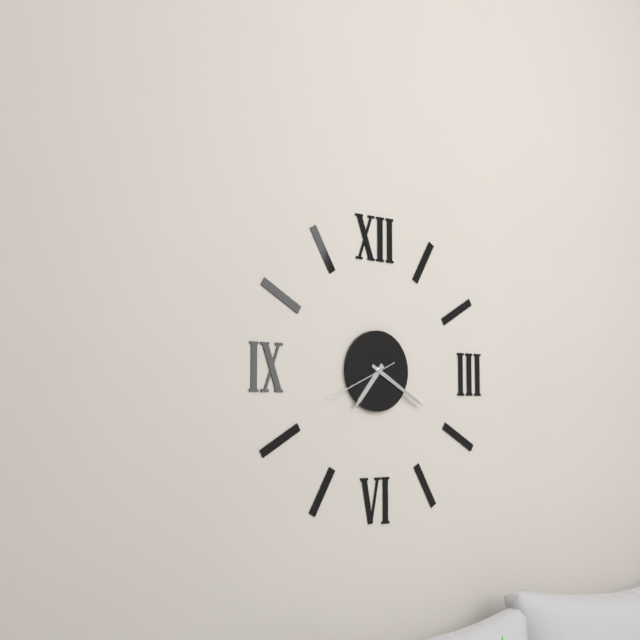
7:20:41
